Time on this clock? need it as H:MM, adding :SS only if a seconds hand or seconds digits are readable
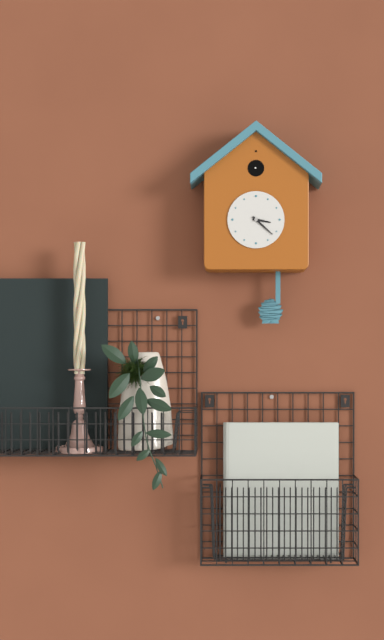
3:22
